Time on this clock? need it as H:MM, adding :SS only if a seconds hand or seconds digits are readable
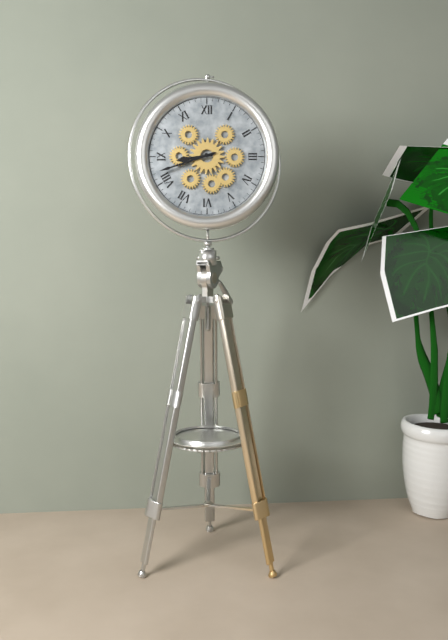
8:42
